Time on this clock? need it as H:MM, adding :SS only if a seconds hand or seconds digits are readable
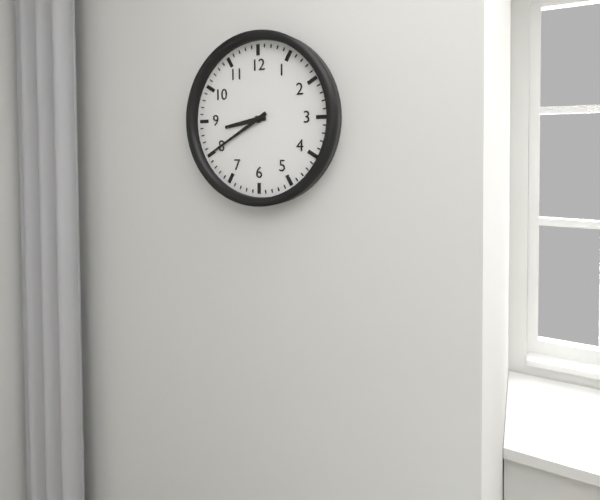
8:40
